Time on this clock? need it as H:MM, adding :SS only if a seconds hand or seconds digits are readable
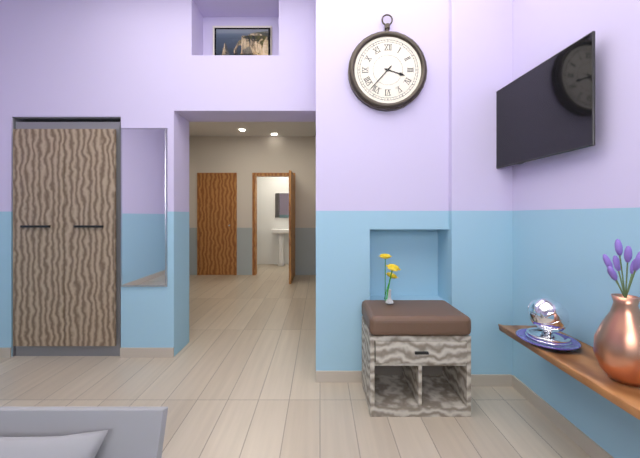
3:37
